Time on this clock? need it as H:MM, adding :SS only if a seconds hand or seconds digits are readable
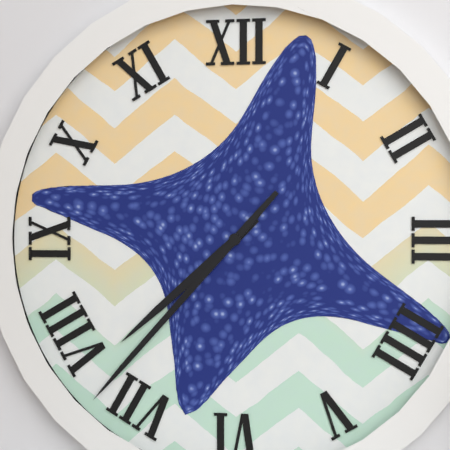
7:37
